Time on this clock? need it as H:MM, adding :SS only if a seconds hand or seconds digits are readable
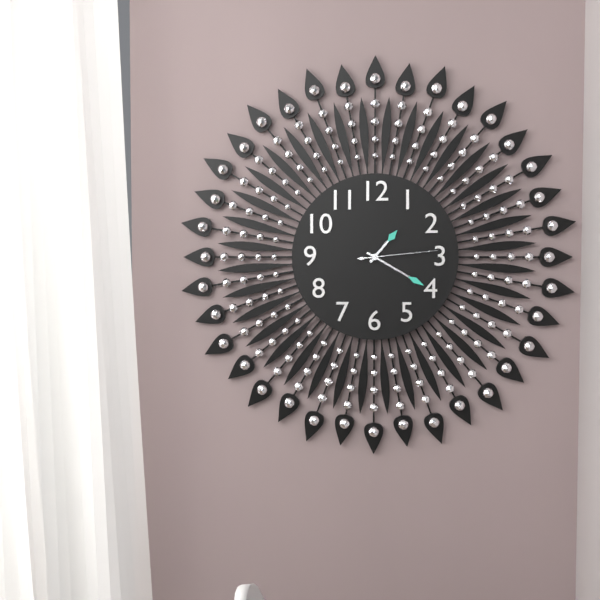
1:20:14
